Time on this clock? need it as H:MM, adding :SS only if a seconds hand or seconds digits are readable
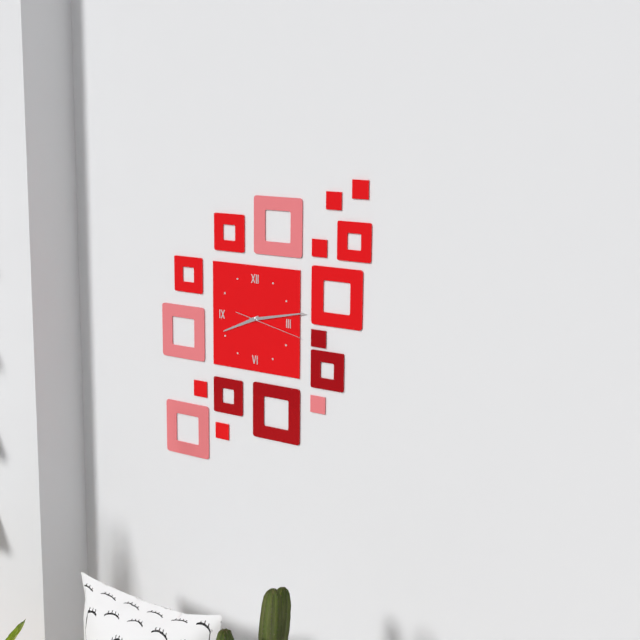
8:13:17
